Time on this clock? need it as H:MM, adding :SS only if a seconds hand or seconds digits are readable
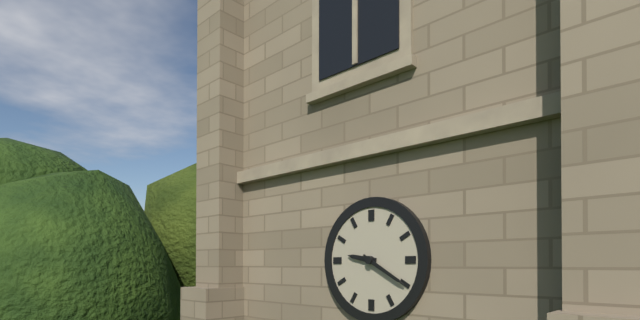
9:20
